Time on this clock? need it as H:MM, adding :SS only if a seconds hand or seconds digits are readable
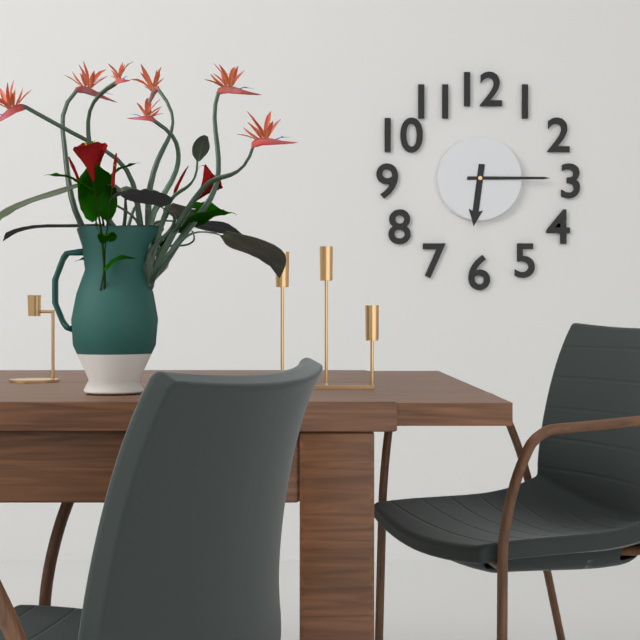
6:15
